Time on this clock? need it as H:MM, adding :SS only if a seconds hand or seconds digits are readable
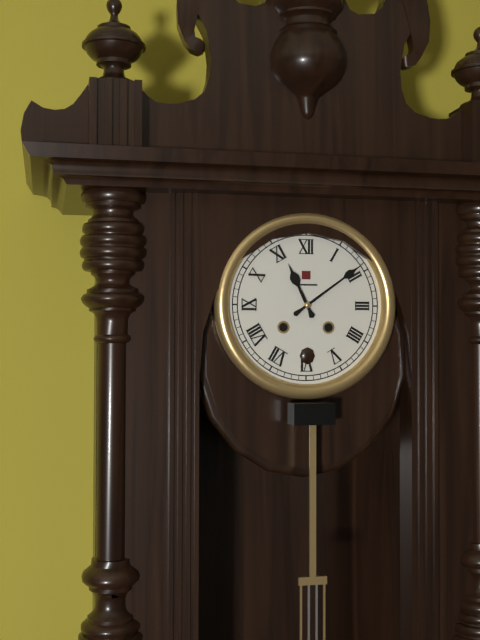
11:09
